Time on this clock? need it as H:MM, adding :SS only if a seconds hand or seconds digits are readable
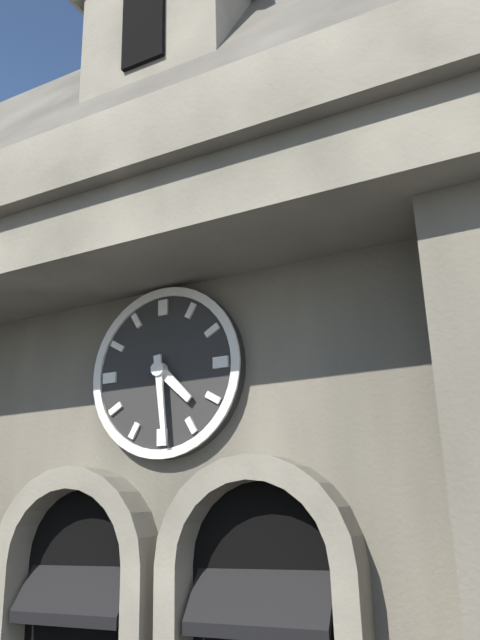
4:29
